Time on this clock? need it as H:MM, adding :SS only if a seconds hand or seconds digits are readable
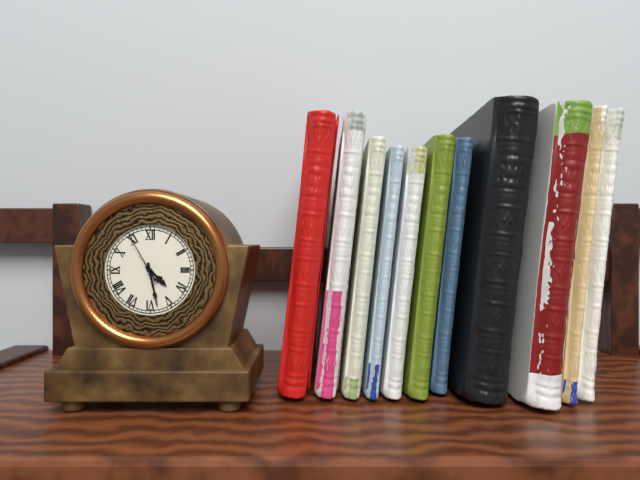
4:28:55
